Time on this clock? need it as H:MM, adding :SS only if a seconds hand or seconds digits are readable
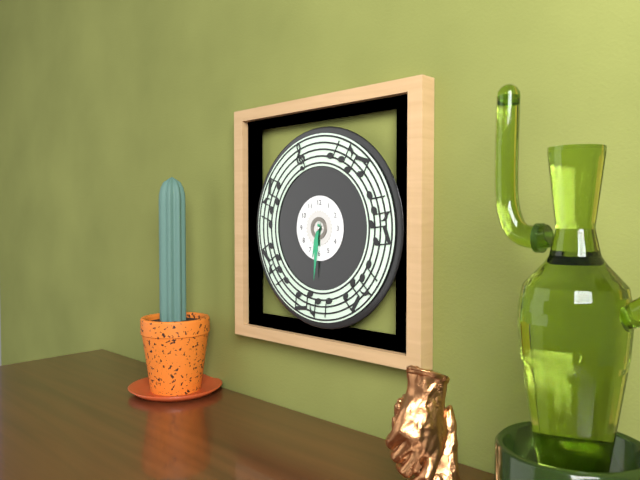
6:31
